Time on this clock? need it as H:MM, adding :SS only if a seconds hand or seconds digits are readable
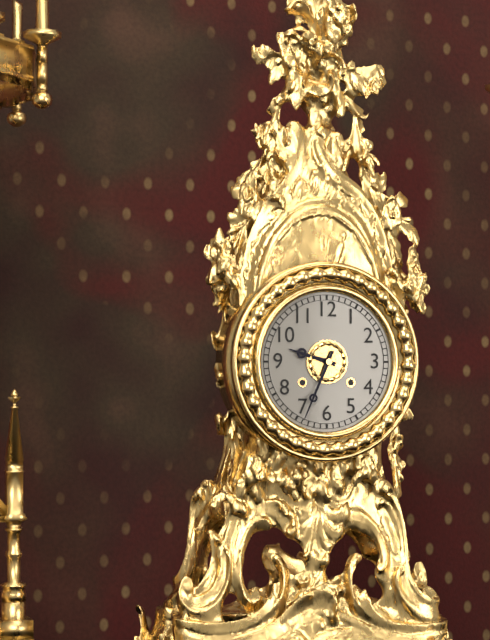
9:34
